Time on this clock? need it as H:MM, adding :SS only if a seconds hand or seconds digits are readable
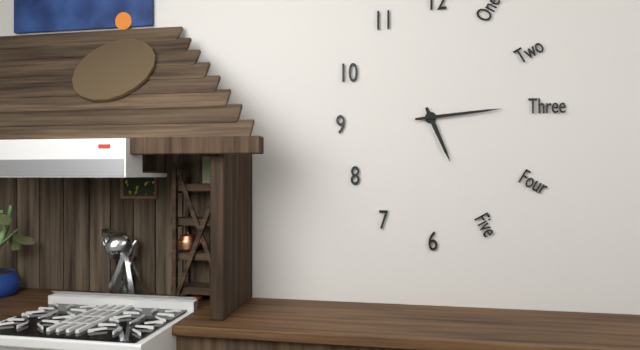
5:14
